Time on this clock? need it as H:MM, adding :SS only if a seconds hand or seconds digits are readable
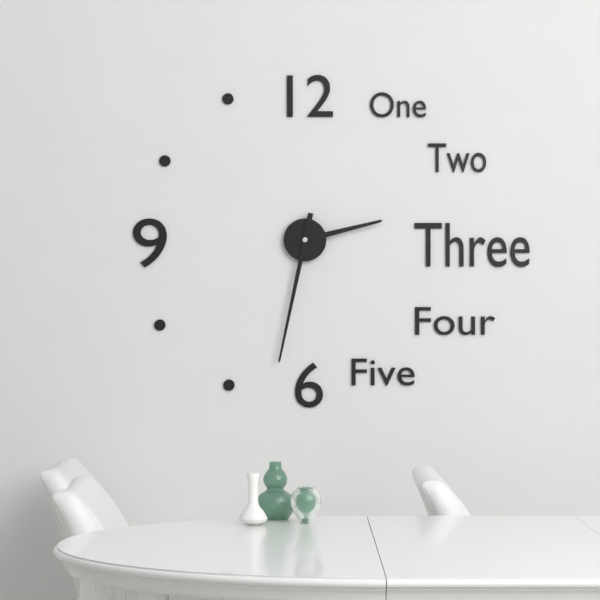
2:32
